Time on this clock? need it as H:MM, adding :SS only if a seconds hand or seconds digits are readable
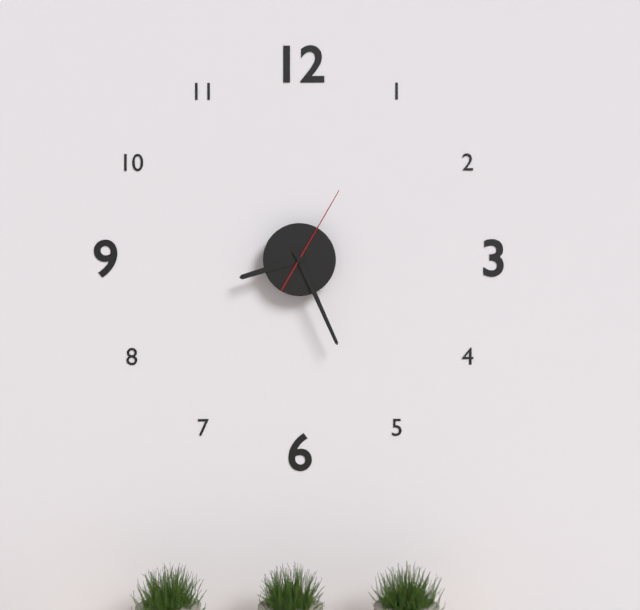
8:26:05
